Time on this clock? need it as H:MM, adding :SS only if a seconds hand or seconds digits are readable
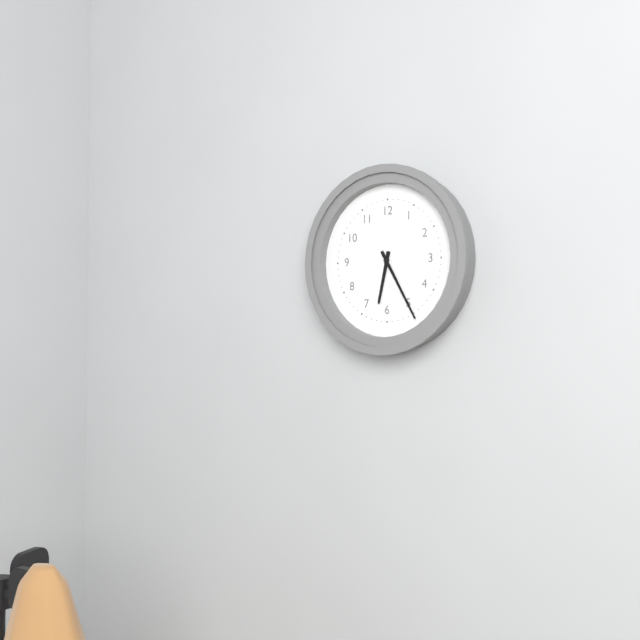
6:25
